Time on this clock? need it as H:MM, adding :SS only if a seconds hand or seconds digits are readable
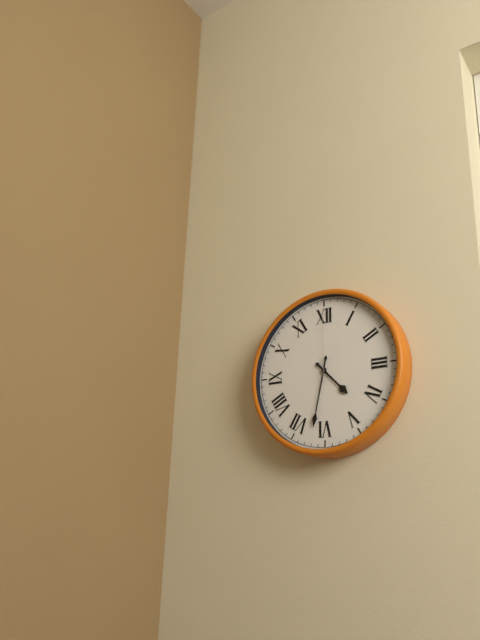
4:32:00
